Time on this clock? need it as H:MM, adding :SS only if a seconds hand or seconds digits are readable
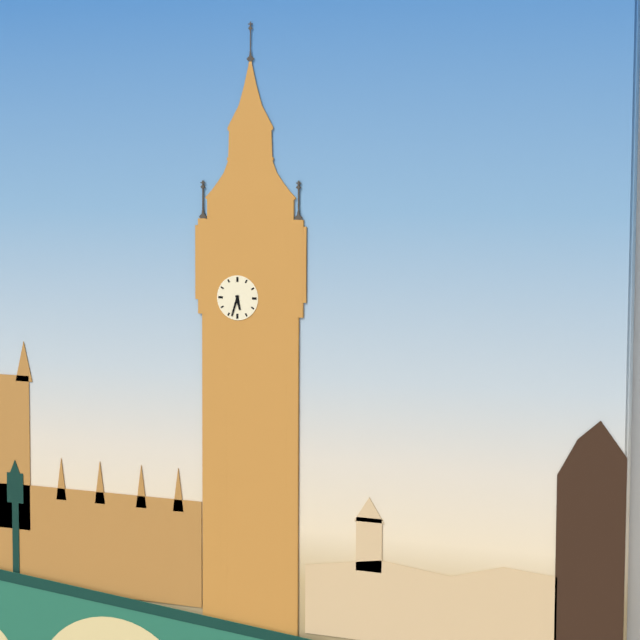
5:33
